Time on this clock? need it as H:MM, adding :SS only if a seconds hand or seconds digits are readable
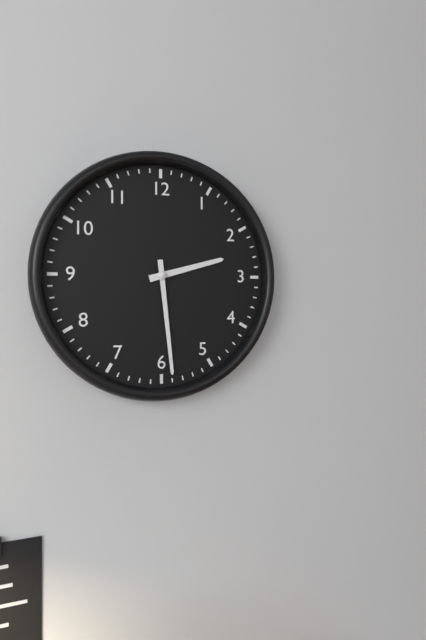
2:29
